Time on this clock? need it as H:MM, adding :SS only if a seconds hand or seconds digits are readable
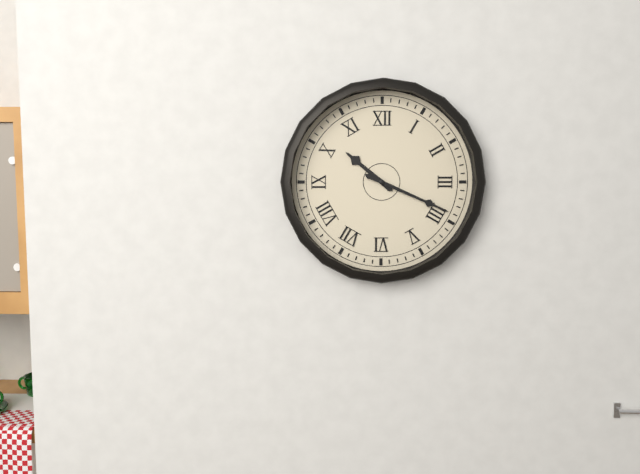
10:19
